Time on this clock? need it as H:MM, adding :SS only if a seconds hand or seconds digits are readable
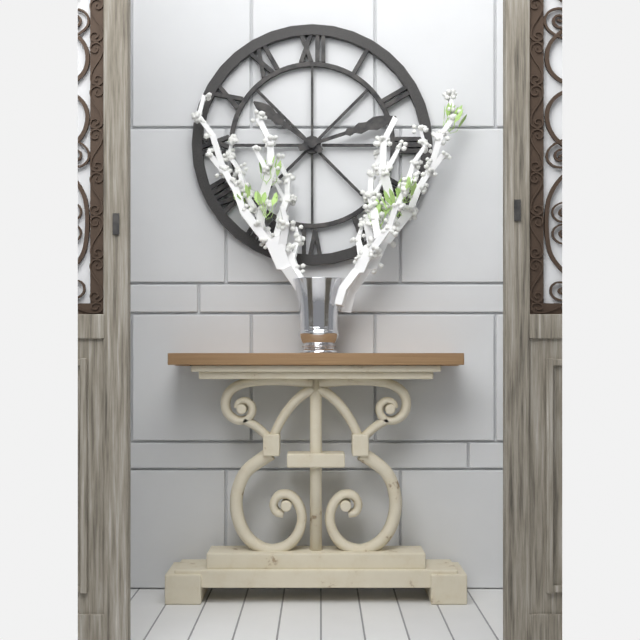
10:12
